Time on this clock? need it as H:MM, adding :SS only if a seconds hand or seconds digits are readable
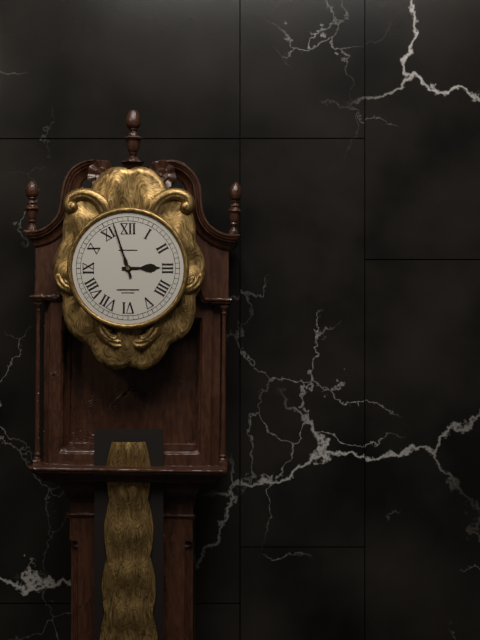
2:57
